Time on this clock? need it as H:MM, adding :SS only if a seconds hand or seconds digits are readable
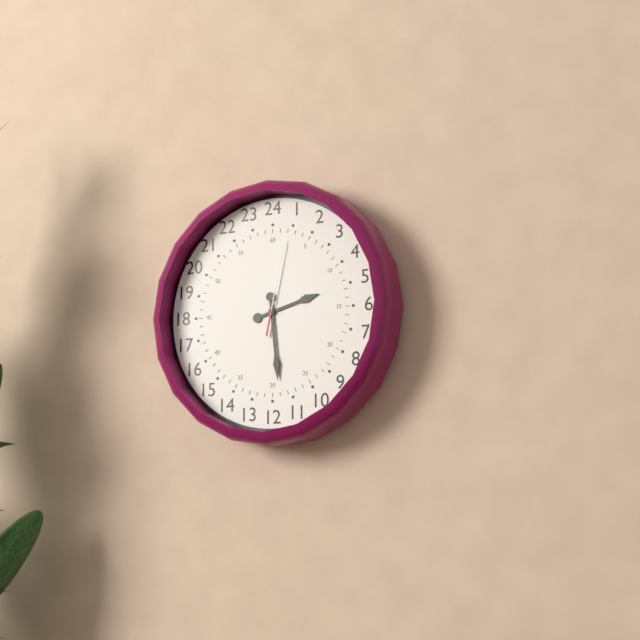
2:29:02
